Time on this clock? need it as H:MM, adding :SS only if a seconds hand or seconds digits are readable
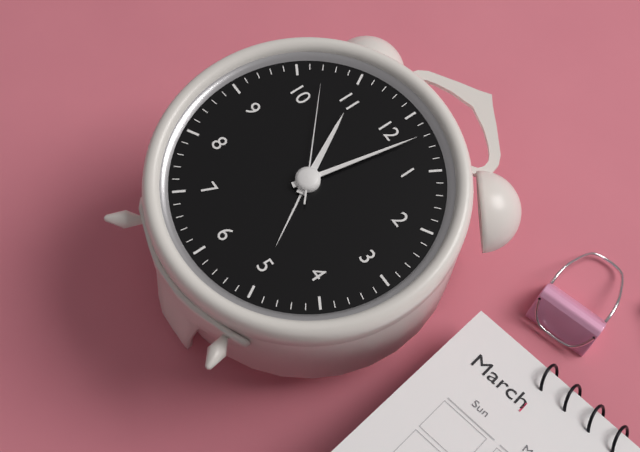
11:02:52
